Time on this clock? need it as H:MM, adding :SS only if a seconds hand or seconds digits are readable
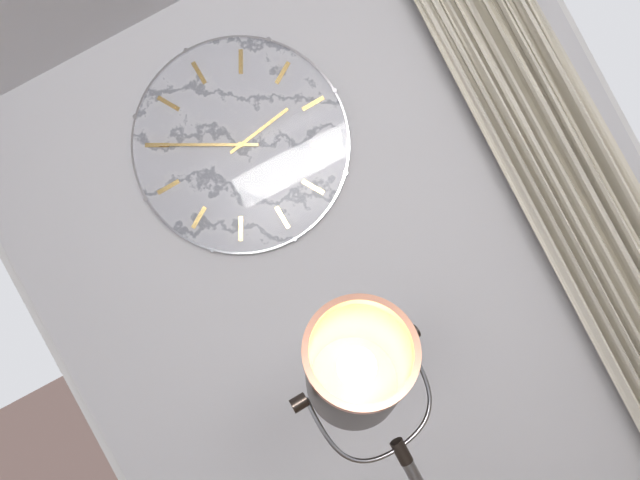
1:45
